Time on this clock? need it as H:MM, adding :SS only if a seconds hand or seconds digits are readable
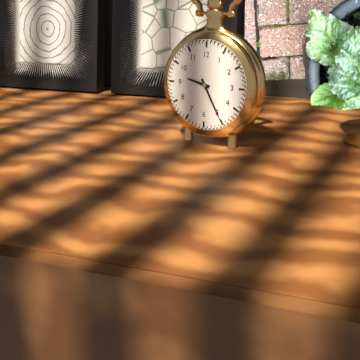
9:25
